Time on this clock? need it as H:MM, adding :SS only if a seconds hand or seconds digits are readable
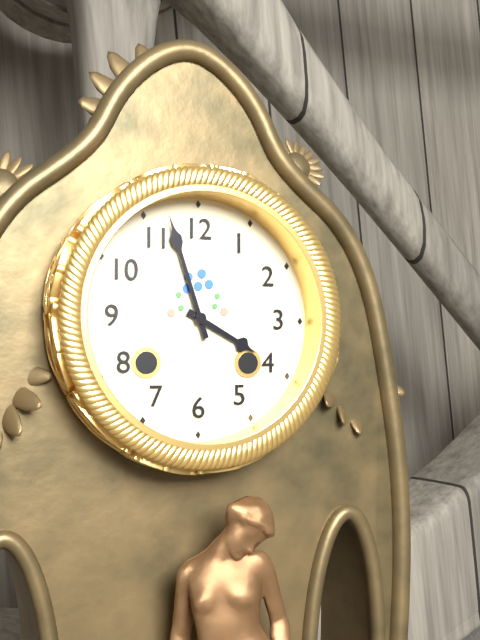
3:57
